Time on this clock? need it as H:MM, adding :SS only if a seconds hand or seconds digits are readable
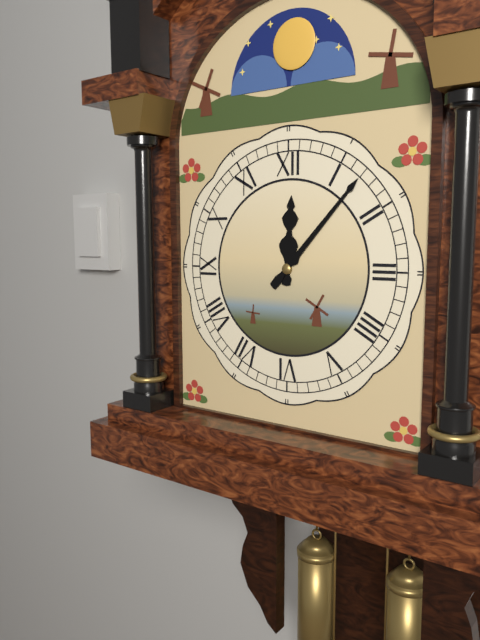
12:07
